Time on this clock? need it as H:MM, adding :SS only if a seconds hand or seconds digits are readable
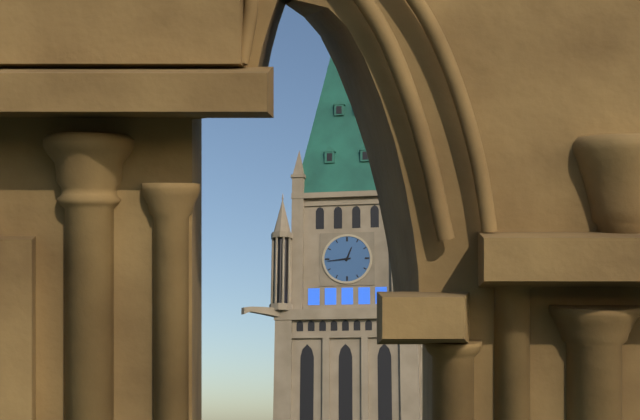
12:44
